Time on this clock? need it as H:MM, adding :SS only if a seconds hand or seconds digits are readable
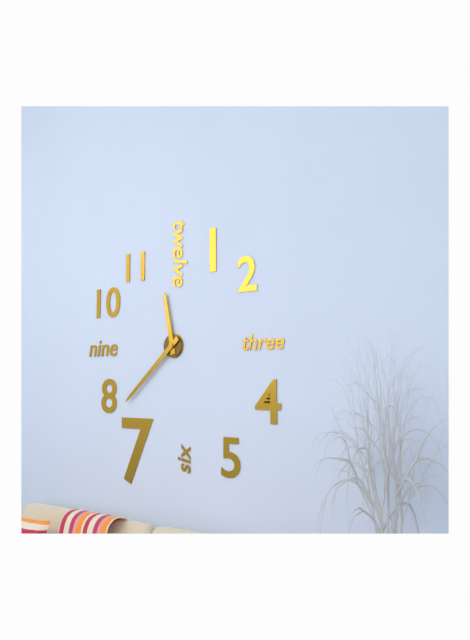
11:38
